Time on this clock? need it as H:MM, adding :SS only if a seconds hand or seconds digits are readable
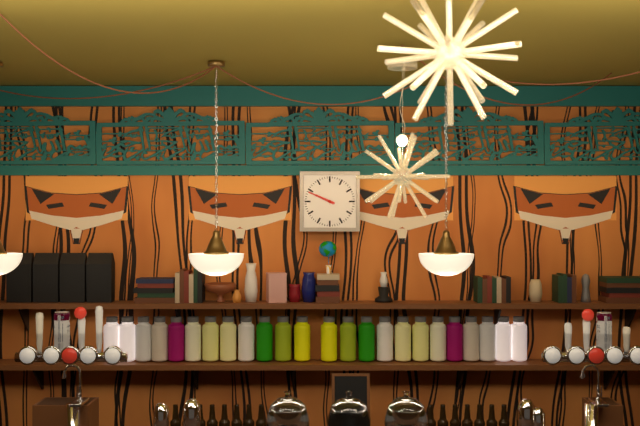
9:49
